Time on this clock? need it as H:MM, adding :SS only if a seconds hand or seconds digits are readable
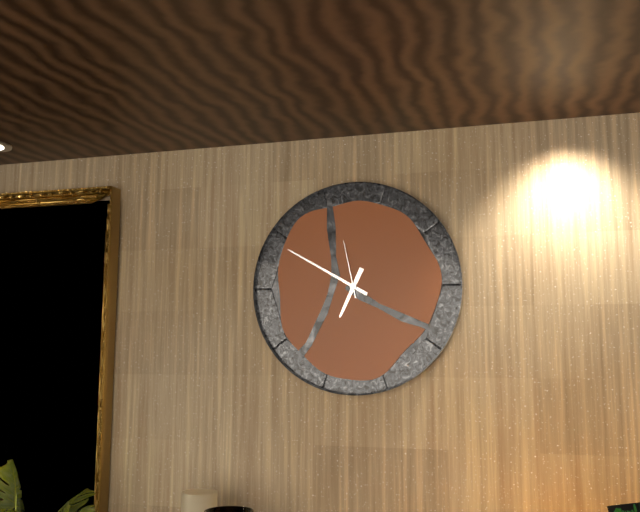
6:50:58
